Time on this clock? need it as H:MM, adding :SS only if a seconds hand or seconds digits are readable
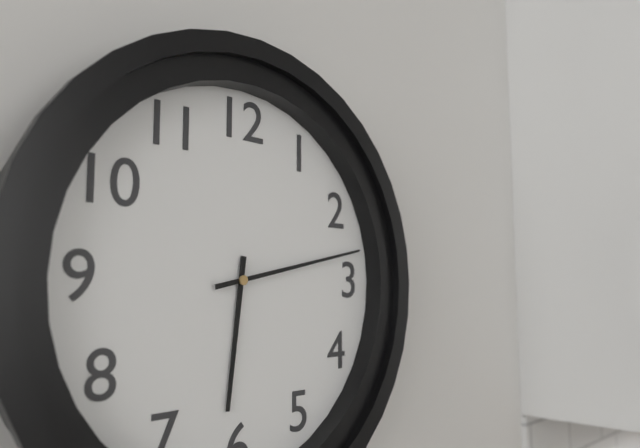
6:13
